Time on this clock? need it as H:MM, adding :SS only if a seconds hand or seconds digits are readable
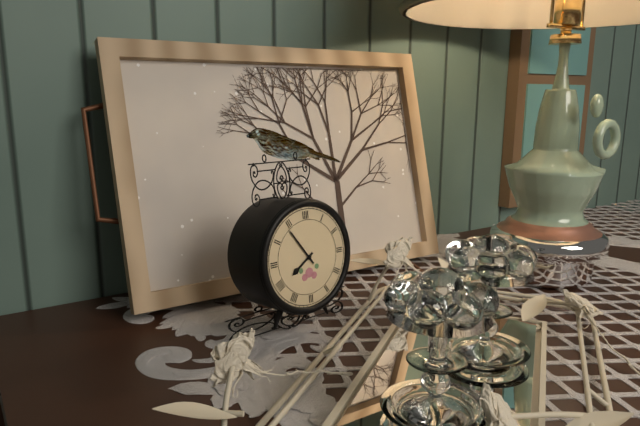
7:54
